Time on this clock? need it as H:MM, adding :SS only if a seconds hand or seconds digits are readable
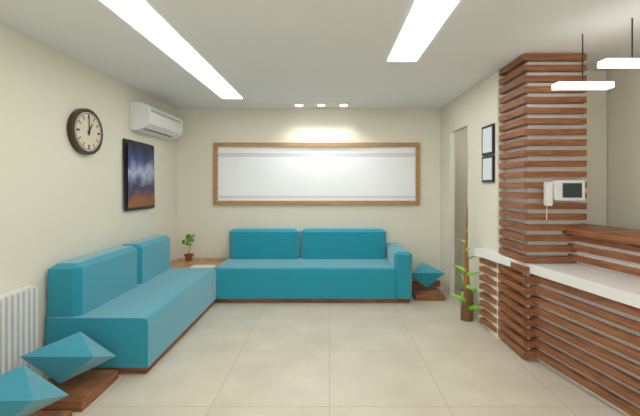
1:00
